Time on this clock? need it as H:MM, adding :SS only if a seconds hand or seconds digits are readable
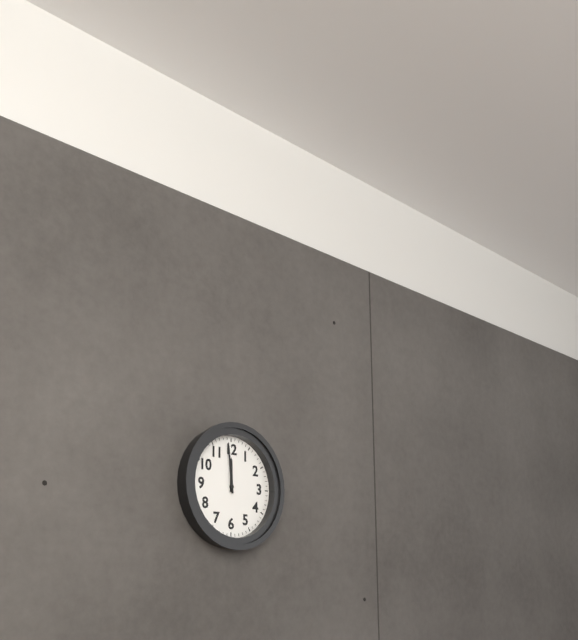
11:59
